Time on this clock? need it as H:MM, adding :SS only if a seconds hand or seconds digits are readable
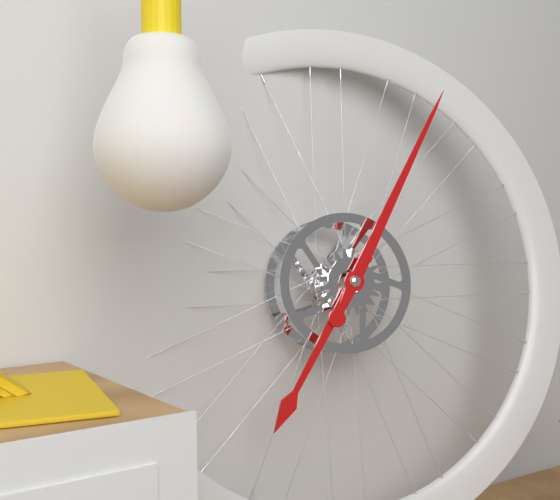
7:05
